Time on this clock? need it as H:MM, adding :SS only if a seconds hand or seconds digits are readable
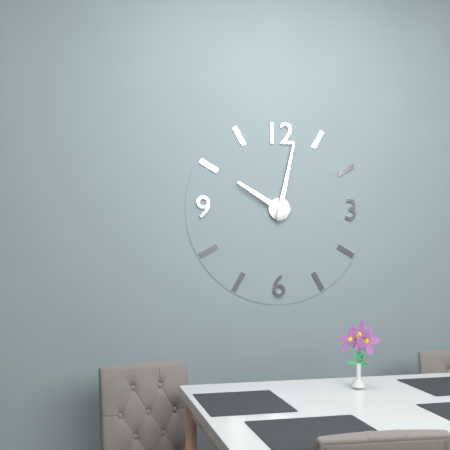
10:02
